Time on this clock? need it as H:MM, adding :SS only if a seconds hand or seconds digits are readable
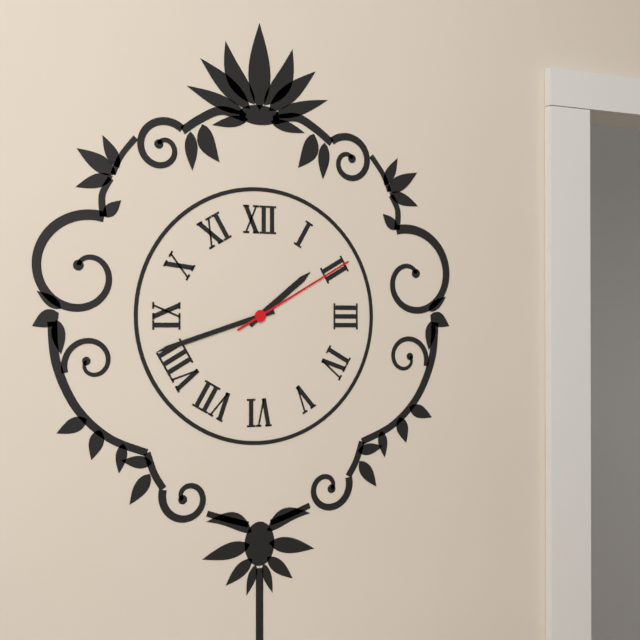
1:42:10
